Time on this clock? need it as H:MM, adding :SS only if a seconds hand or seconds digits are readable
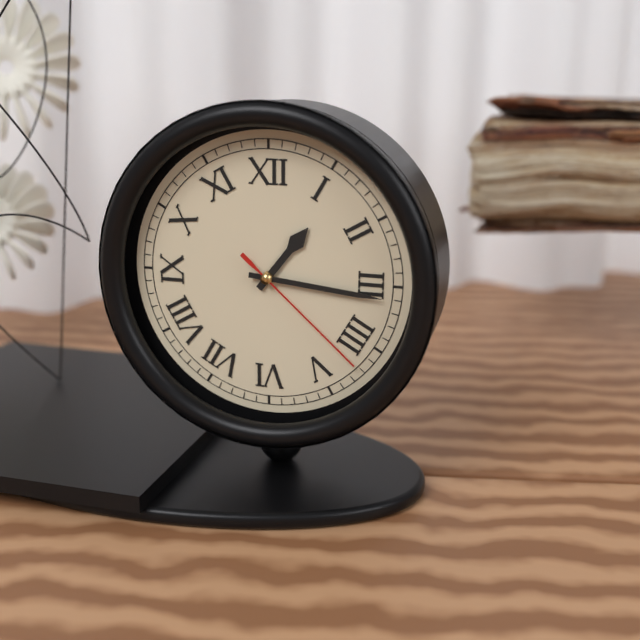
1:16:22
